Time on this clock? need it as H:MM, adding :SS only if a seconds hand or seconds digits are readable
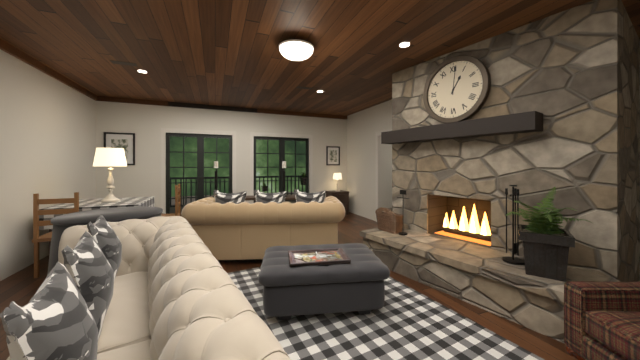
1:01
